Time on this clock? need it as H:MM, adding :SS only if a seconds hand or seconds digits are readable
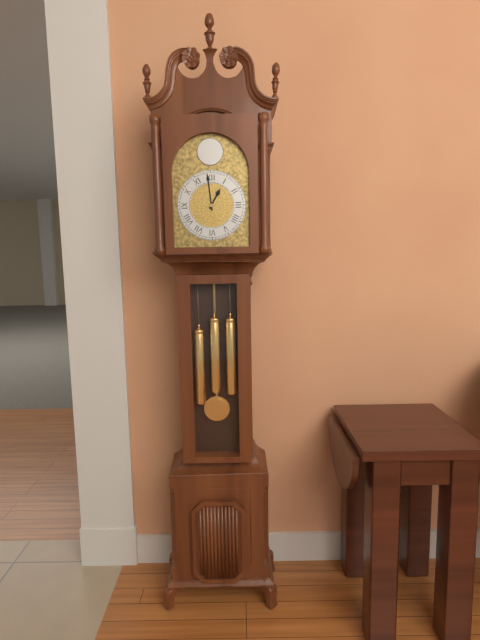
12:59
